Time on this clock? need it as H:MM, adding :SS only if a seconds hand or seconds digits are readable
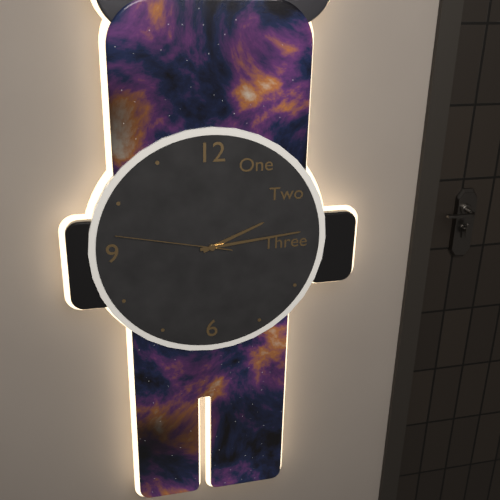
2:14:47
